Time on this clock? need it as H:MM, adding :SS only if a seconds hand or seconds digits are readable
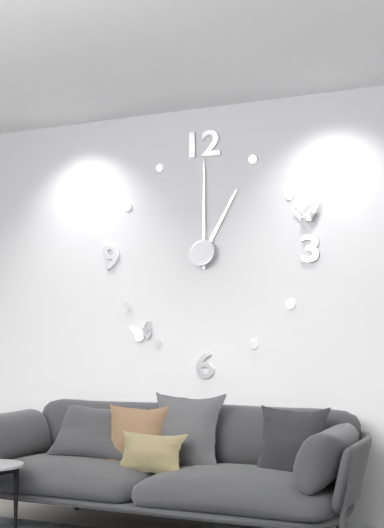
1:00
